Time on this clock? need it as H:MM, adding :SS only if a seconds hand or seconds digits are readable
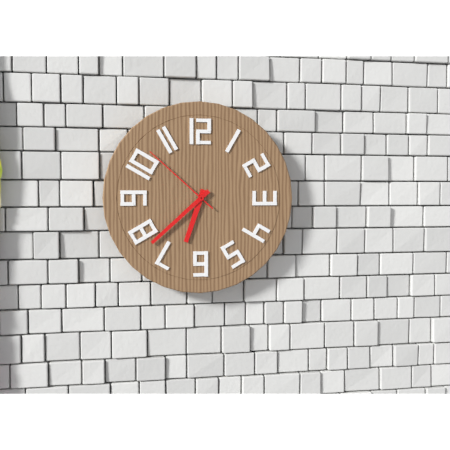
6:38:52
